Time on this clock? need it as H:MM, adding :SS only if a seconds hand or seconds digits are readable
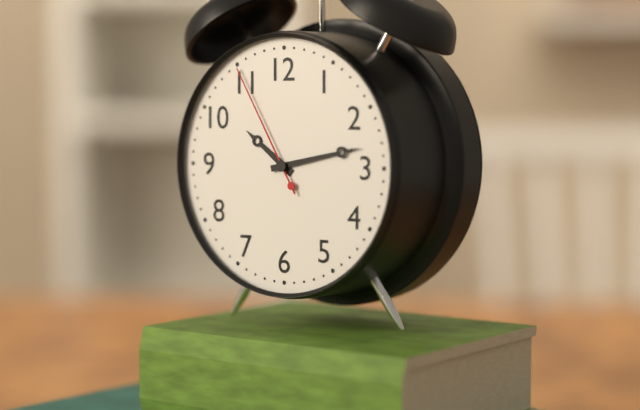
10:13:55
